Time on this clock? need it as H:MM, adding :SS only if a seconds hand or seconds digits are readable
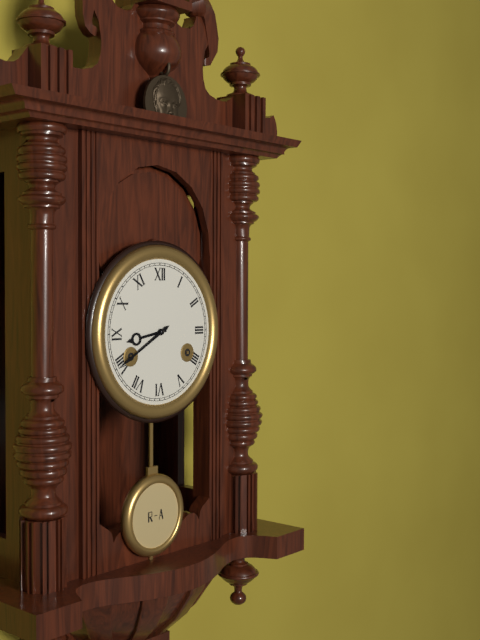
8:40
